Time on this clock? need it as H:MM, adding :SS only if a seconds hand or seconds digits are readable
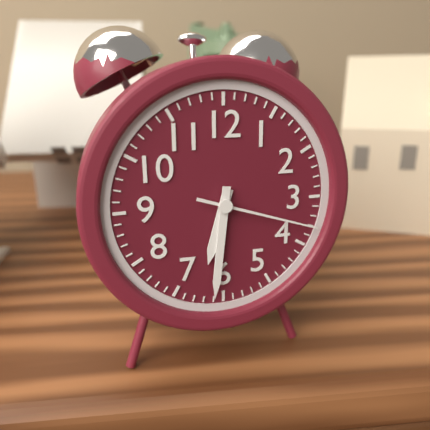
6:31:18
